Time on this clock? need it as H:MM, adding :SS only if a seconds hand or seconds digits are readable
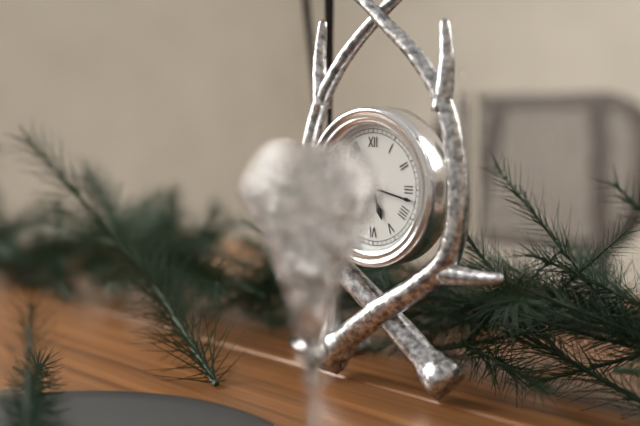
5:17
